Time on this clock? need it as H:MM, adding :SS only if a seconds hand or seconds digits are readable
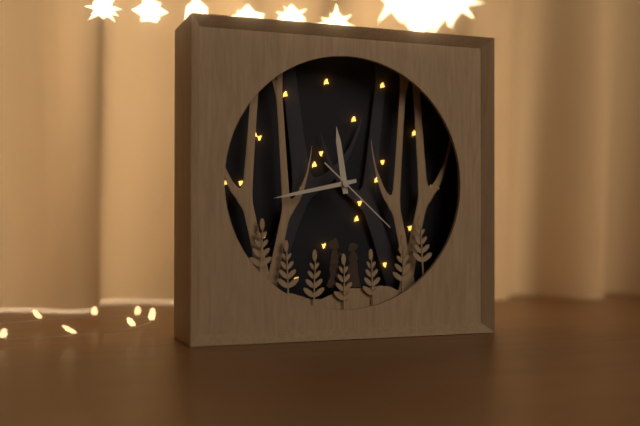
11:43:22
